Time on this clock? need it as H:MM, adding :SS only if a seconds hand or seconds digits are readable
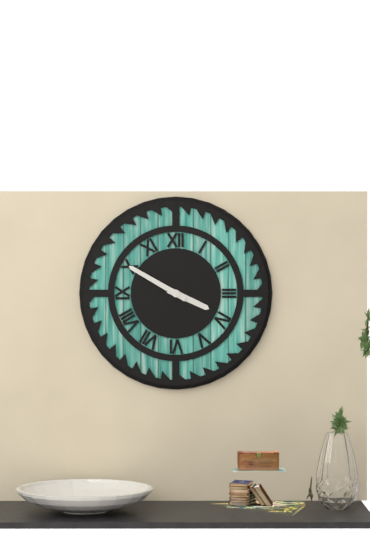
3:50
